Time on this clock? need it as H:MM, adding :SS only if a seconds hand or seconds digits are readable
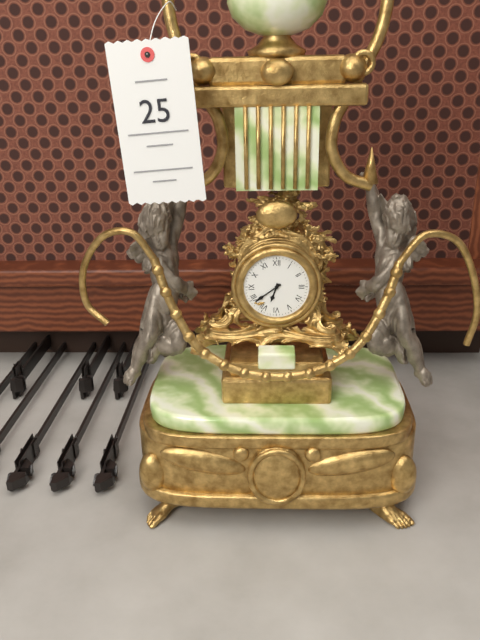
6:39
